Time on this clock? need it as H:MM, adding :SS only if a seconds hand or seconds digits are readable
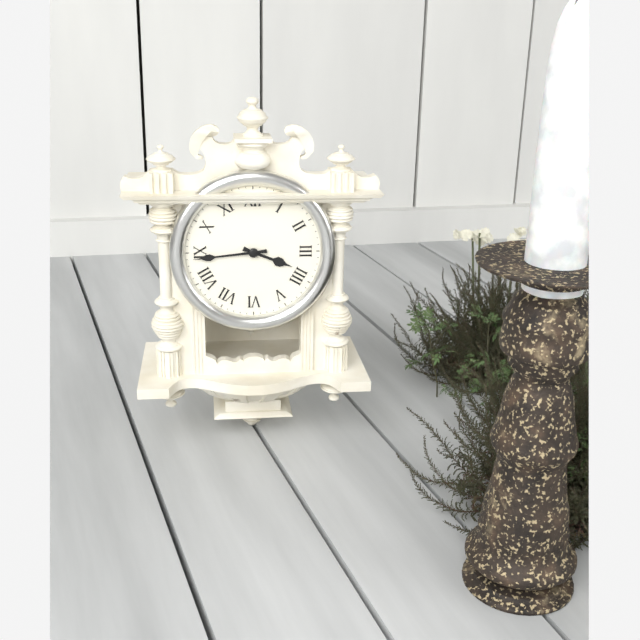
3:44
